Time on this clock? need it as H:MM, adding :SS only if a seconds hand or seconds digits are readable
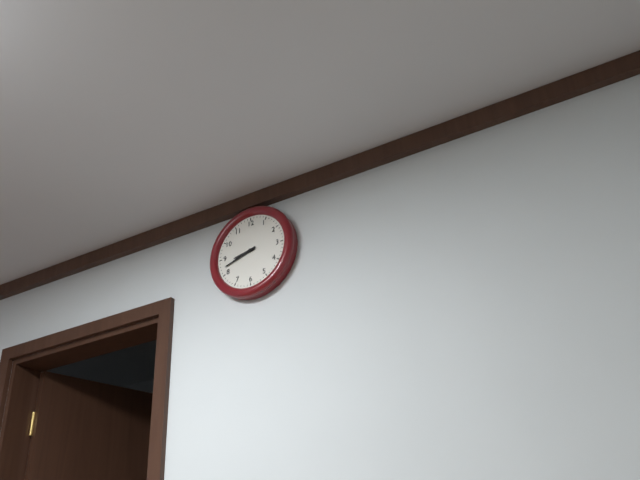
8:42
